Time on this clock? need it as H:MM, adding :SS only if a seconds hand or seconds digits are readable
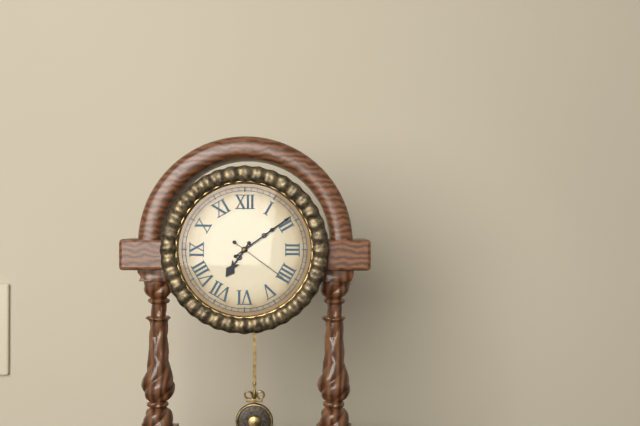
7:09:21
